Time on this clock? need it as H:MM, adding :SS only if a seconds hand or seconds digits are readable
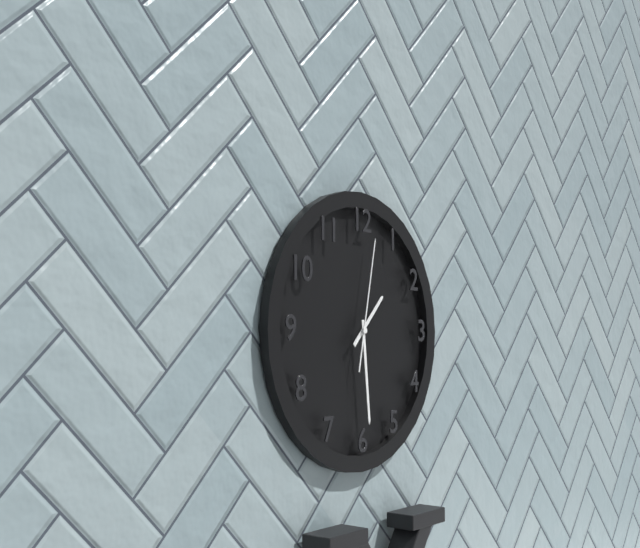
1:29:02
